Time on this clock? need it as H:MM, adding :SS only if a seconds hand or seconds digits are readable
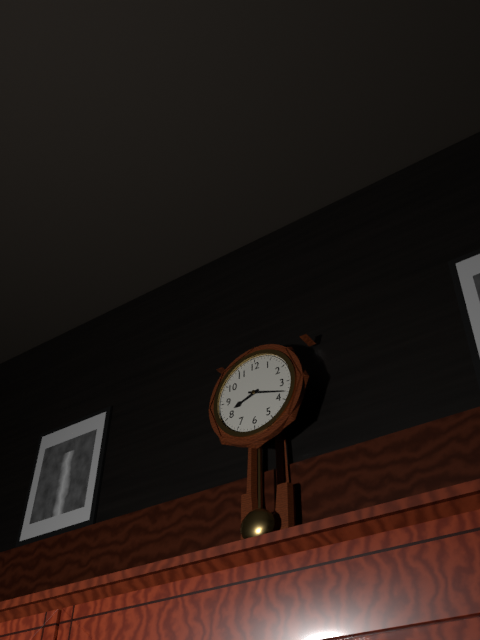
8:18
